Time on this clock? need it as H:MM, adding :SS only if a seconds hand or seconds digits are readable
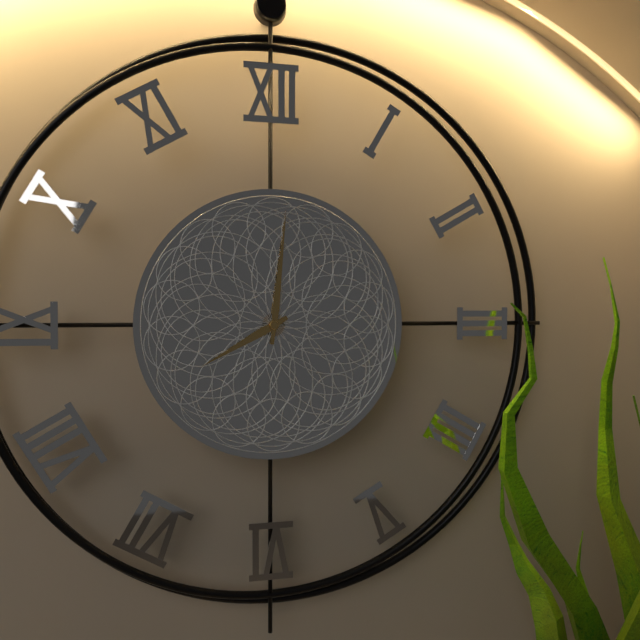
8:01
